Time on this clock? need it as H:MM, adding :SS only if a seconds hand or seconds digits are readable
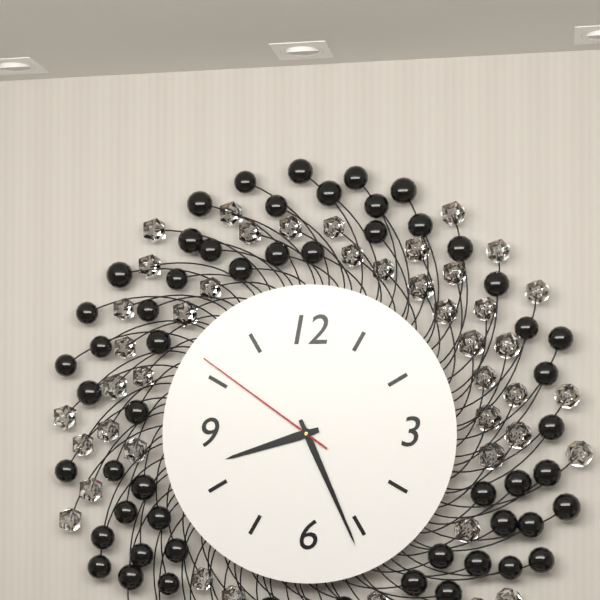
8:26:51
